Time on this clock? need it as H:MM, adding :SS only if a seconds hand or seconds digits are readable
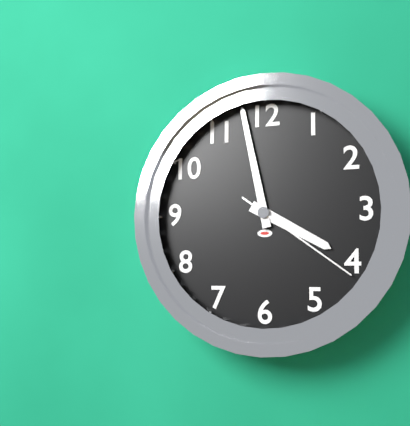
3:58:21
